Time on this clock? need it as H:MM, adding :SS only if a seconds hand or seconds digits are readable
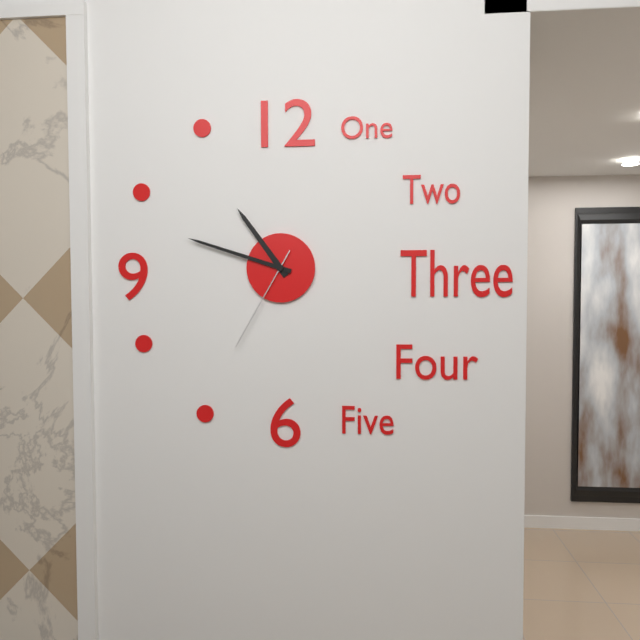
10:48:35
